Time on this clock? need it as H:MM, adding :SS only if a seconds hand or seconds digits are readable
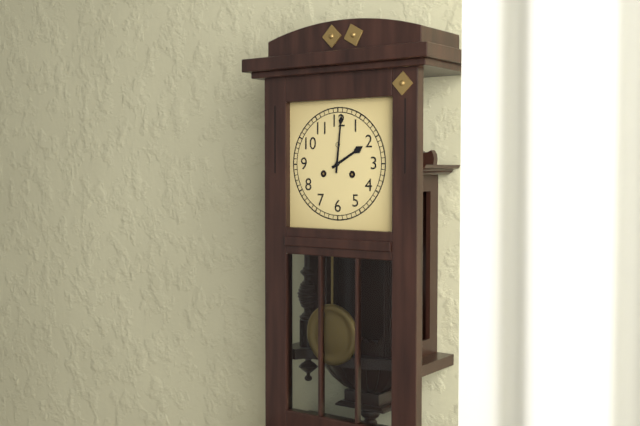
2:01
